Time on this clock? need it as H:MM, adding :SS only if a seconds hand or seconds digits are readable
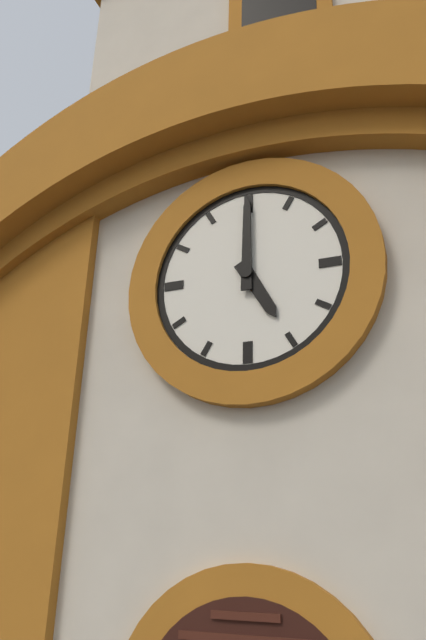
5:00
